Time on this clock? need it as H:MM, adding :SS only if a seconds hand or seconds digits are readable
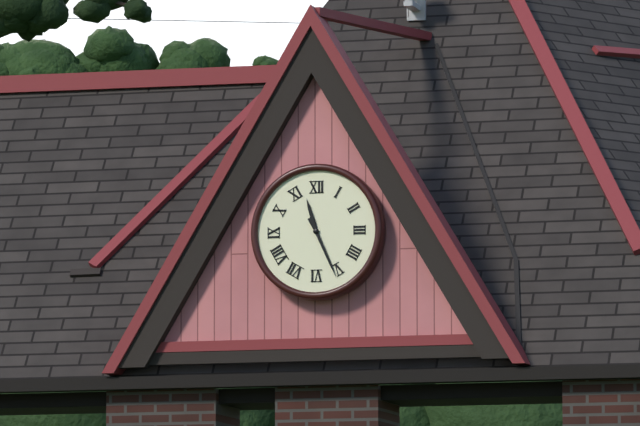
11:26
